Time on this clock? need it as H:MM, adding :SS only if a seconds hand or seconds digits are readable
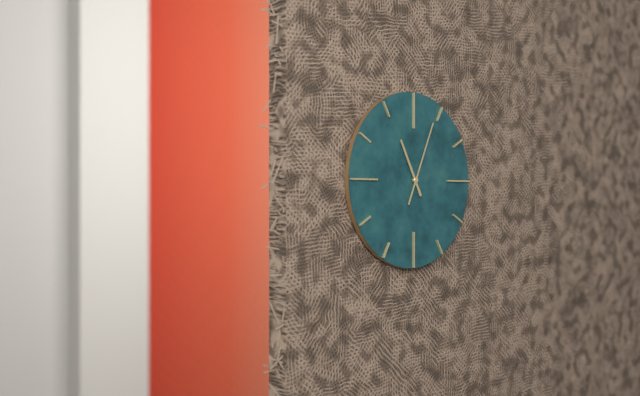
11:04
